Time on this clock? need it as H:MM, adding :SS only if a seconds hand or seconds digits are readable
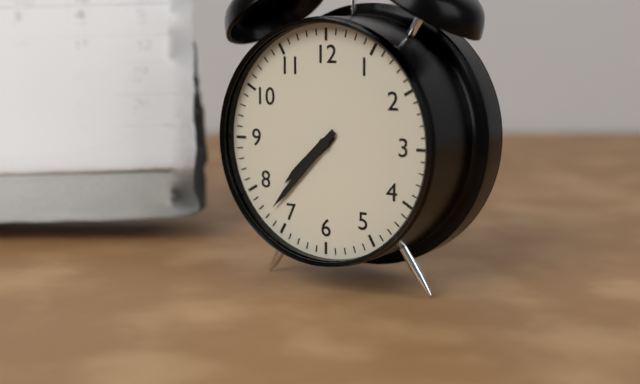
7:37
